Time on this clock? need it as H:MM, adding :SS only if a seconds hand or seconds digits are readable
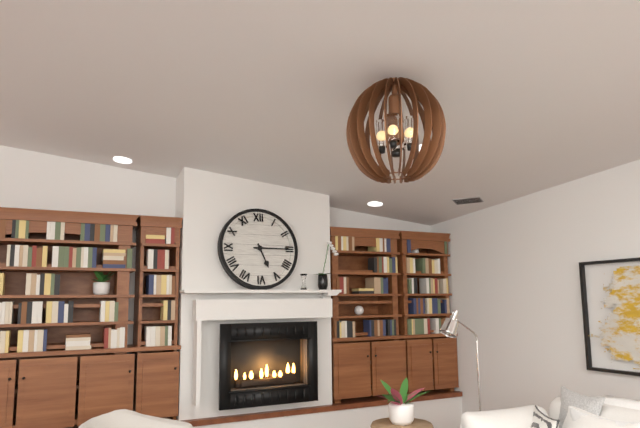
5:15
